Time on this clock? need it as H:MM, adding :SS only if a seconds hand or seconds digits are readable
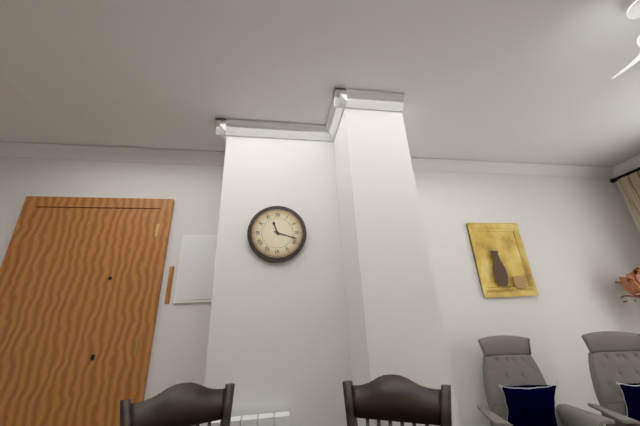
11:18
